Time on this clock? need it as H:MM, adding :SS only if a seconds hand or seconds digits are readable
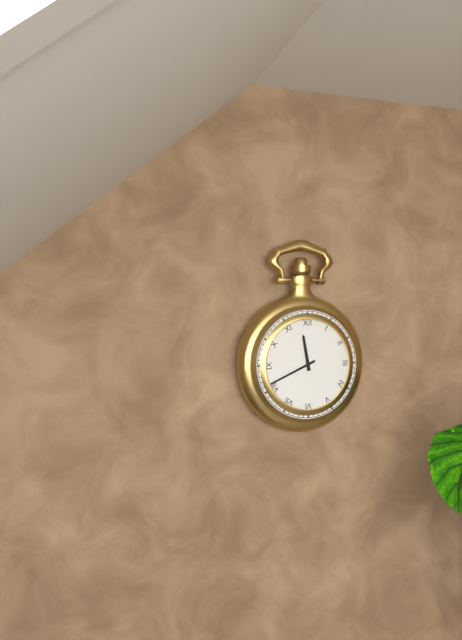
11:41
